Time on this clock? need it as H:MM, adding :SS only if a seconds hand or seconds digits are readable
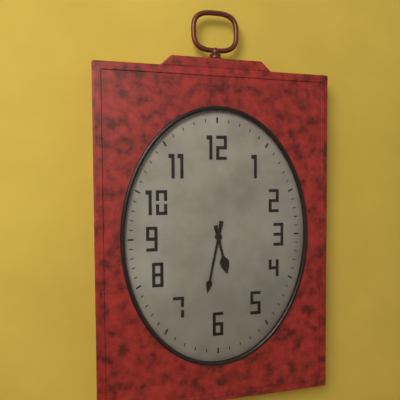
5:32
